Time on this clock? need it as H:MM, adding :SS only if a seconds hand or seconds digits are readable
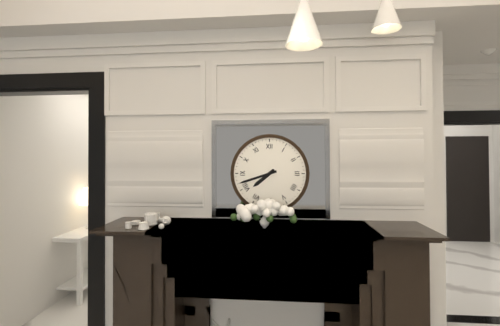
7:42
